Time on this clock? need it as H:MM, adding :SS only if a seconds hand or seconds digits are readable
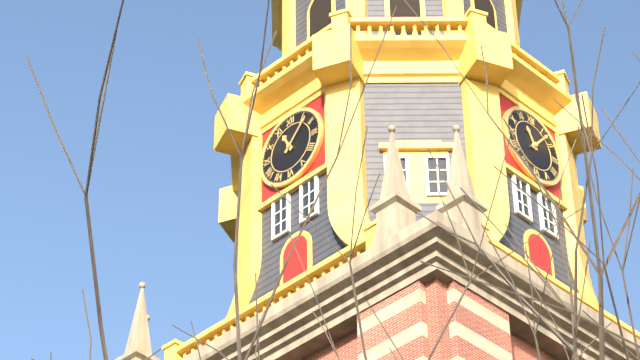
11:07
